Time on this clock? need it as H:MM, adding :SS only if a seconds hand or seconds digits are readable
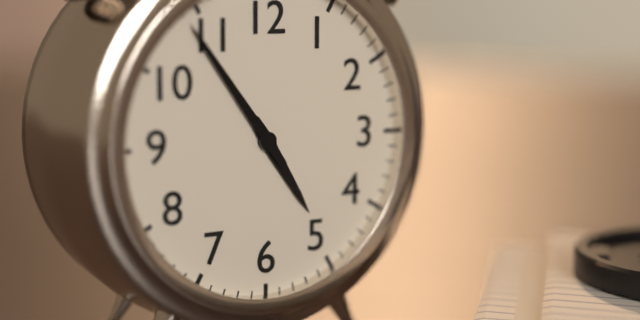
4:54
